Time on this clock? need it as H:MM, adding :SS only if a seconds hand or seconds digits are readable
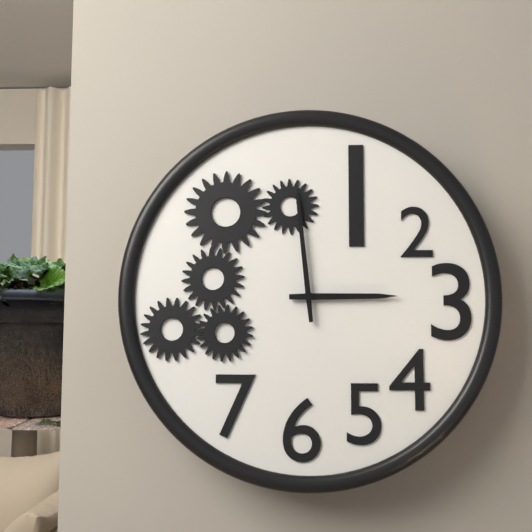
2:59
